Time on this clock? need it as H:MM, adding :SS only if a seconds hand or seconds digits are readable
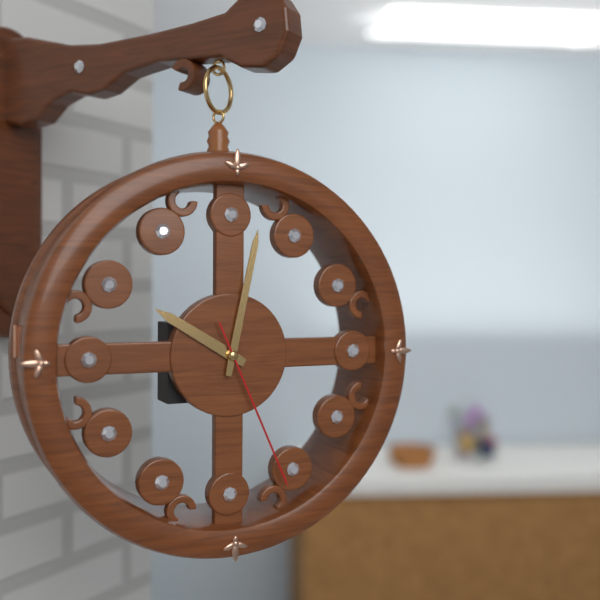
10:02:26
